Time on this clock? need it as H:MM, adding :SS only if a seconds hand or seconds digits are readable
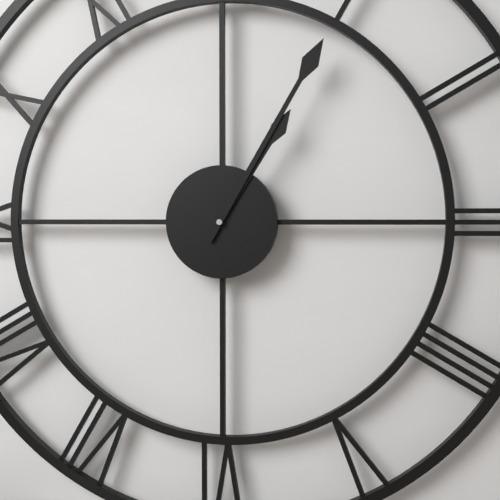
1:05
